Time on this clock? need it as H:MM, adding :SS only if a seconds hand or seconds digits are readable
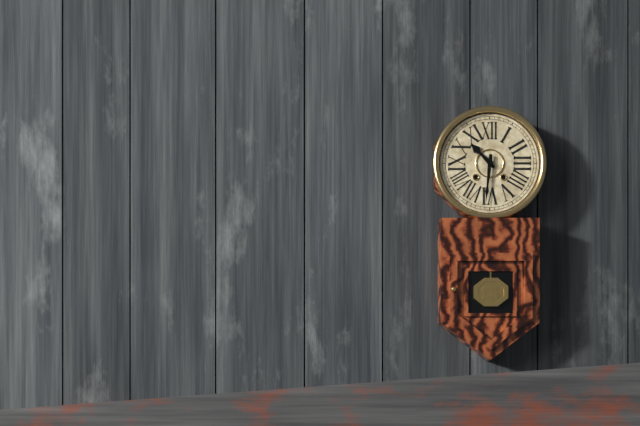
10:31
